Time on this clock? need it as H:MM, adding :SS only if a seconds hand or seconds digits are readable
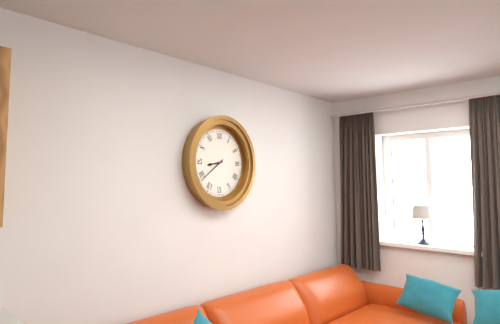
8:39
